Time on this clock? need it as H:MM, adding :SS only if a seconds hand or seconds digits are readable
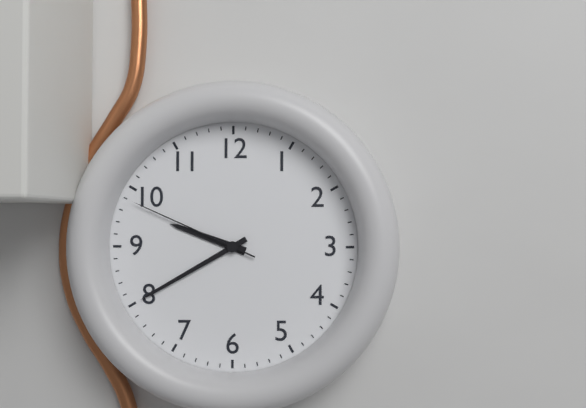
9:40:49
